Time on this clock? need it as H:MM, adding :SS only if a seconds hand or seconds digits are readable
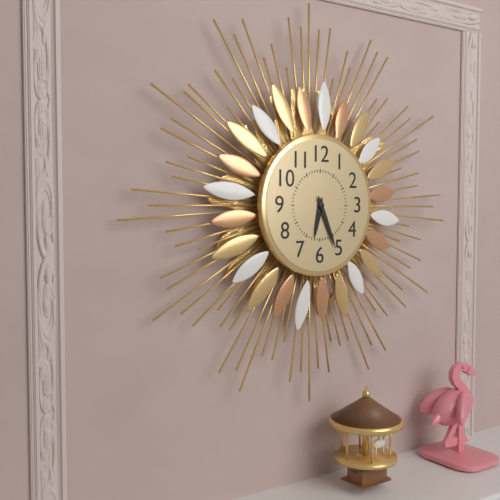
6:26
